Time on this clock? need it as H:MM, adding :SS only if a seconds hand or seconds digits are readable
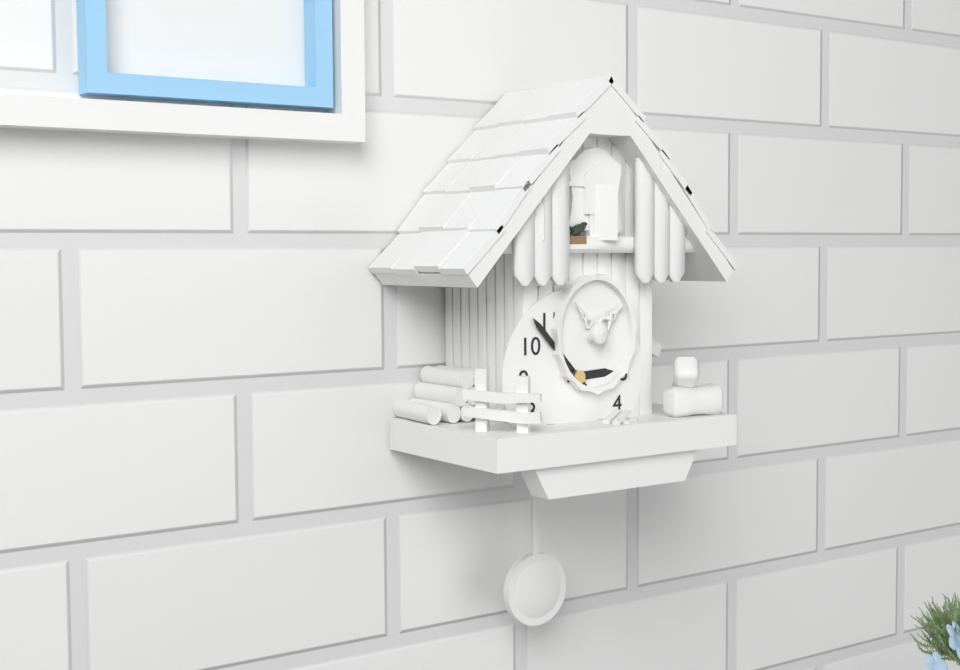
2:53
